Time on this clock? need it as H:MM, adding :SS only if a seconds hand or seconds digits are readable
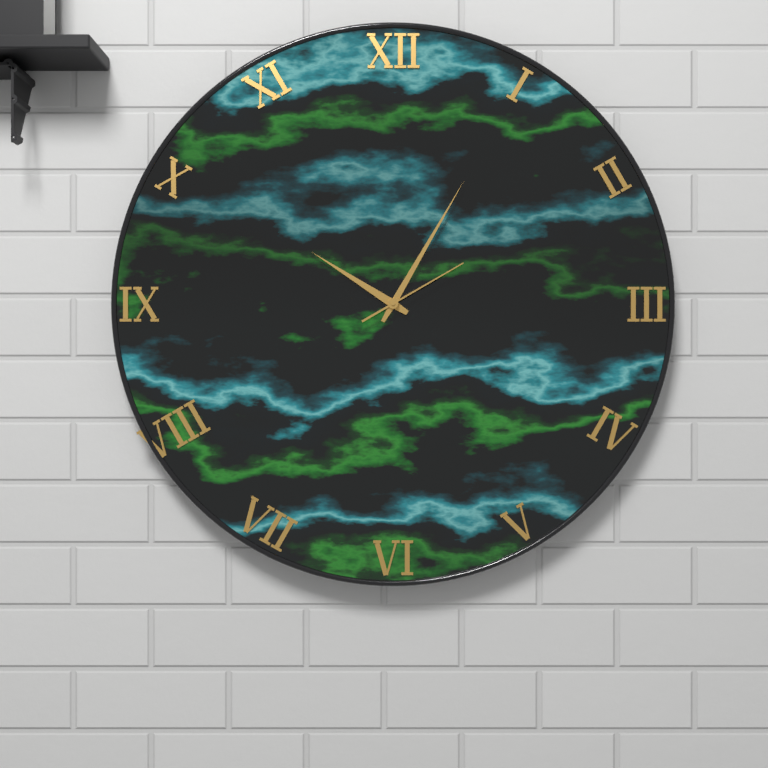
10:05:10
